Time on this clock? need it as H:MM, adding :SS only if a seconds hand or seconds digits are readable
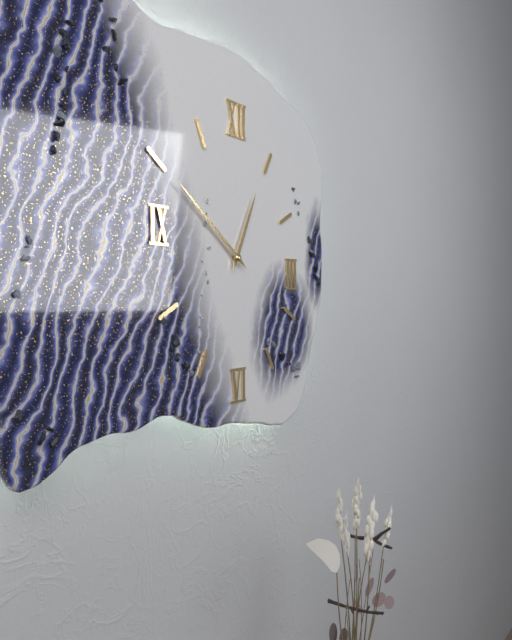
12:51
